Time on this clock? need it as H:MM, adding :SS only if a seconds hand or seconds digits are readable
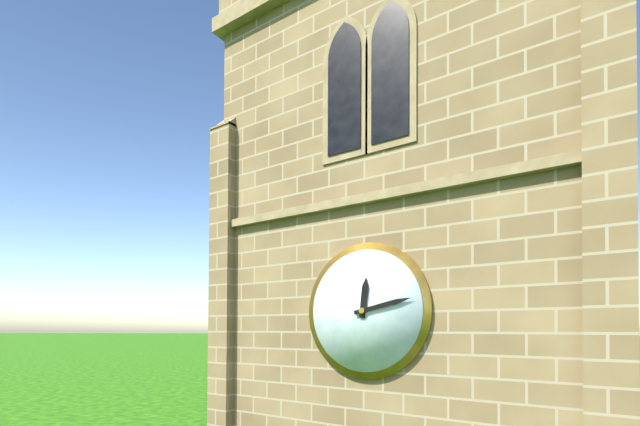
12:13
